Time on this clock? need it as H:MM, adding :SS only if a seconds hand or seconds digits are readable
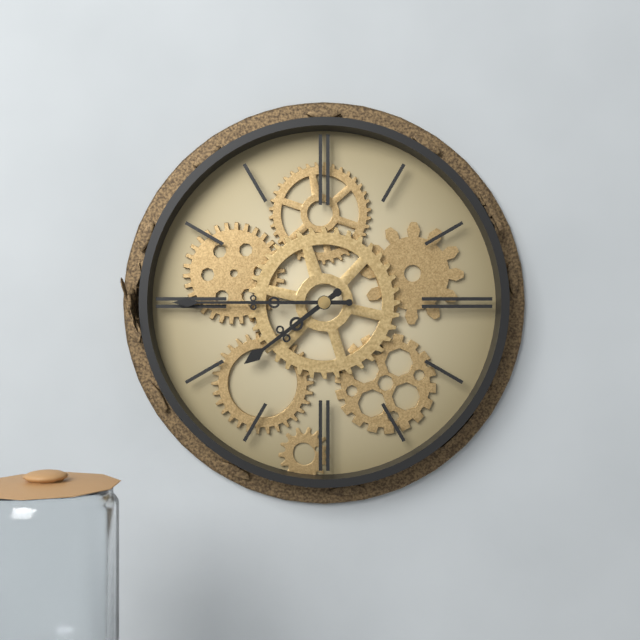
7:45
